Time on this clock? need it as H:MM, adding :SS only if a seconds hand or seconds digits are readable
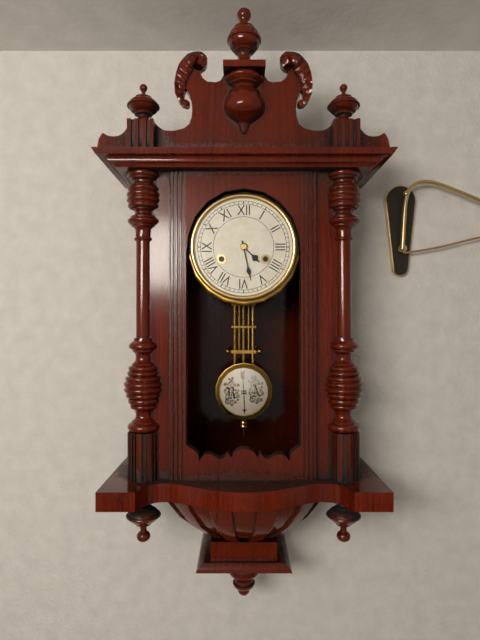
4:28
